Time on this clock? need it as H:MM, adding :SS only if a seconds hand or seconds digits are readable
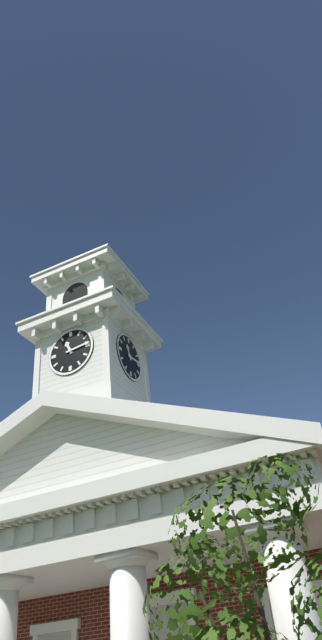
11:14
